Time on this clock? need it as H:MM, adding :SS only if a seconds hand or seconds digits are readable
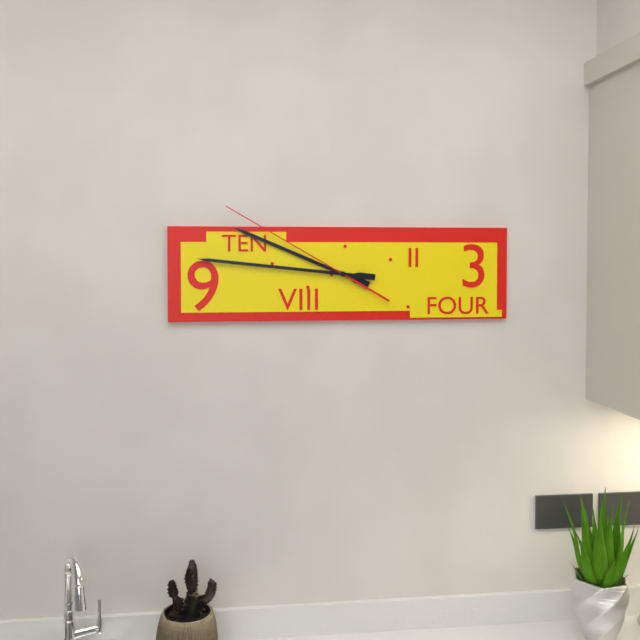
9:46:50
